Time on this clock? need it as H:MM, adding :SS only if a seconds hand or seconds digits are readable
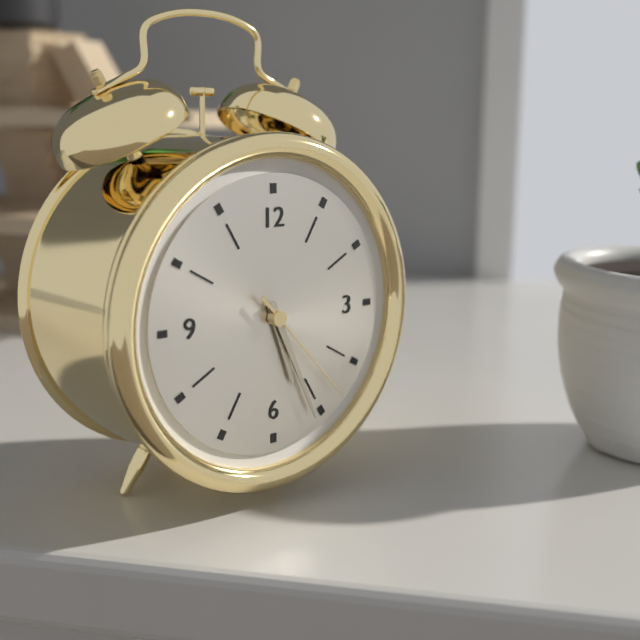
5:26:23
